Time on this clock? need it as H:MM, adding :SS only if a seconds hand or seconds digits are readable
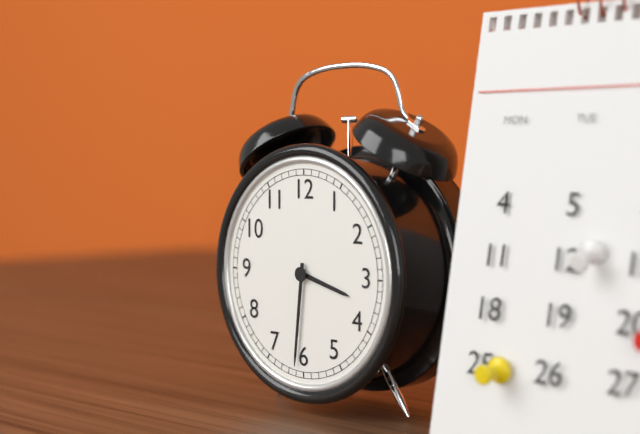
3:31
